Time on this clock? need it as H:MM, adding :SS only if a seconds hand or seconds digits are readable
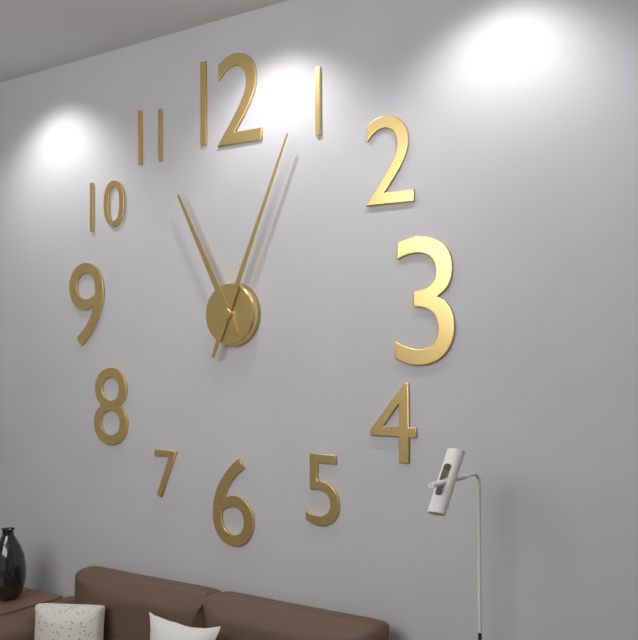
11:04
